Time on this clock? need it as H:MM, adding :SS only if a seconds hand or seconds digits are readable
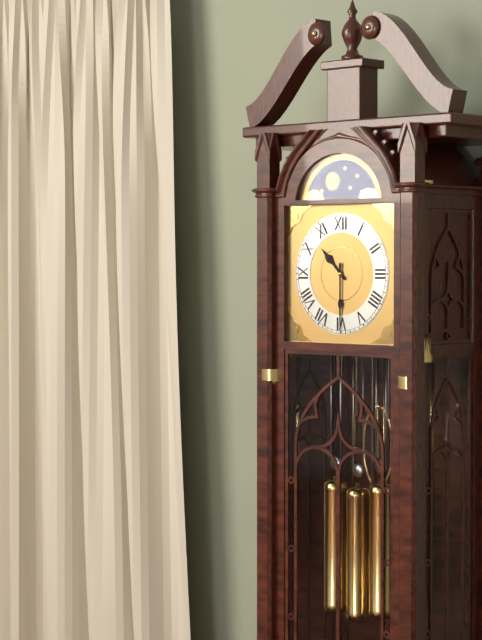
10:30
